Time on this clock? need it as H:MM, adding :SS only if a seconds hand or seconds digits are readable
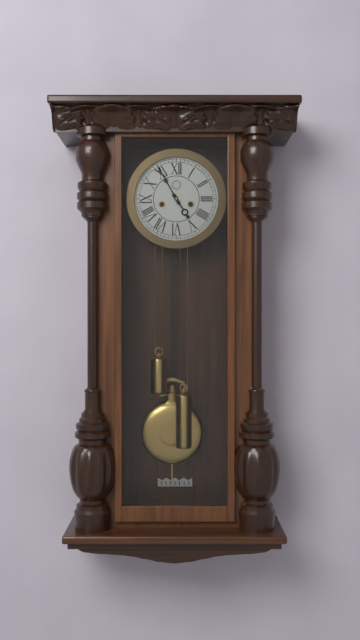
4:55
